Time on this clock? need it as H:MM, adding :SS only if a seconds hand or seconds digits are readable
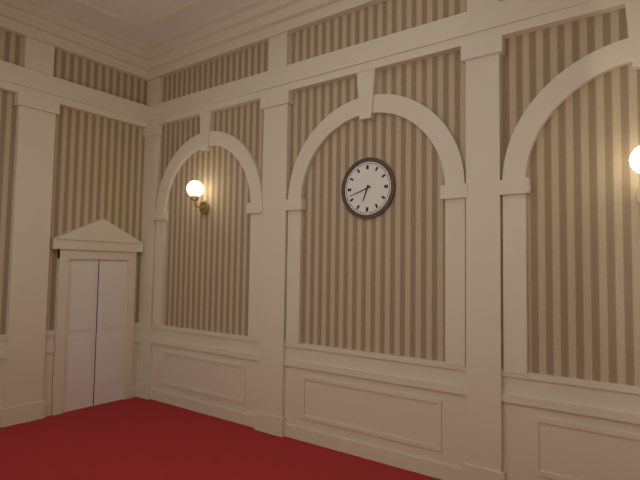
6:42
